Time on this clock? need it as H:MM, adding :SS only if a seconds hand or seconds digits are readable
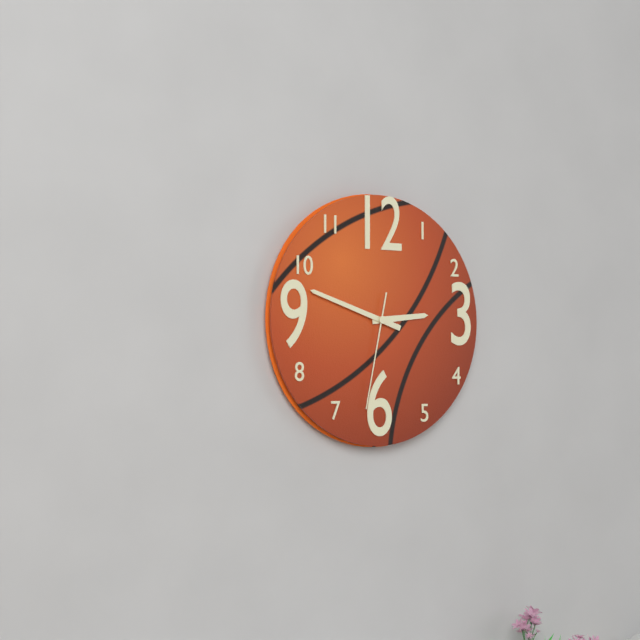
2:48:32
